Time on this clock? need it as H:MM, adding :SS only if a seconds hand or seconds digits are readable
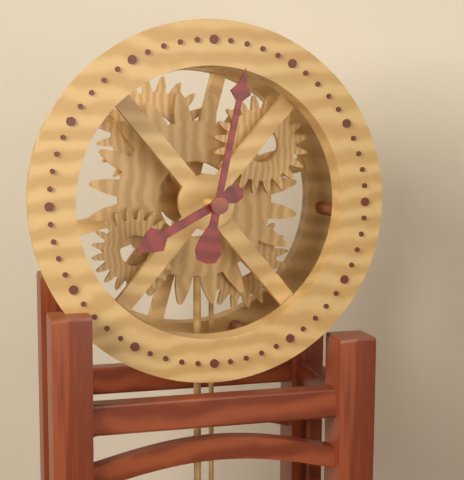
8:02
